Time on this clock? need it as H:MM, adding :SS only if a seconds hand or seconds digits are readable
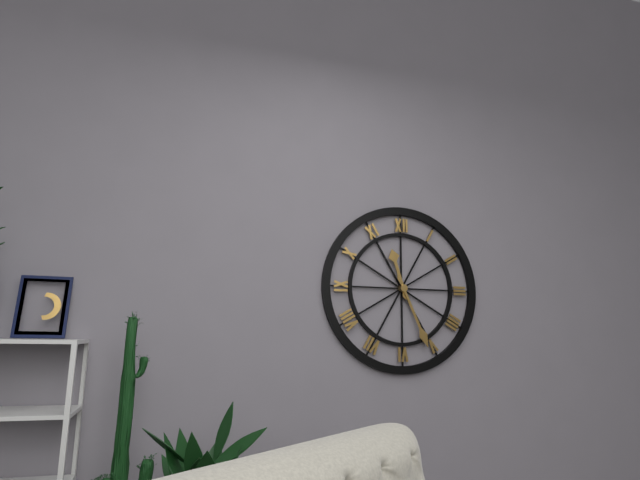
11:26
